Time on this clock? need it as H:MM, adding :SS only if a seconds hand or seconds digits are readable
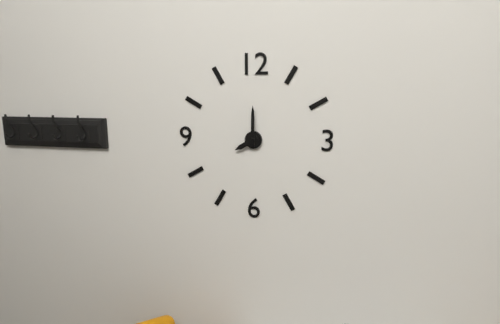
8:00
